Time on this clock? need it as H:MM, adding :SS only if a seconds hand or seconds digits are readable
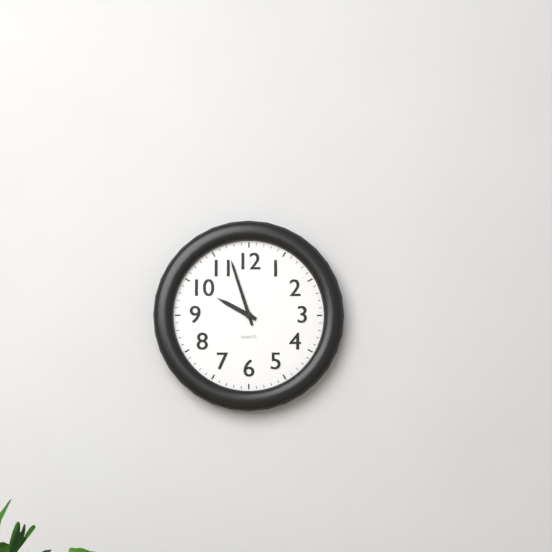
9:57
